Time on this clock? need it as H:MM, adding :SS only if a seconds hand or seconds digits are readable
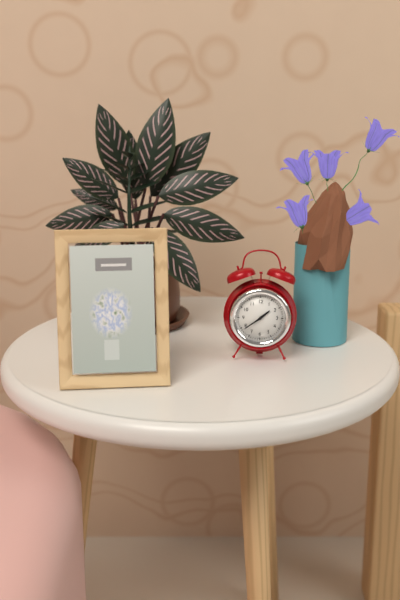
1:39
